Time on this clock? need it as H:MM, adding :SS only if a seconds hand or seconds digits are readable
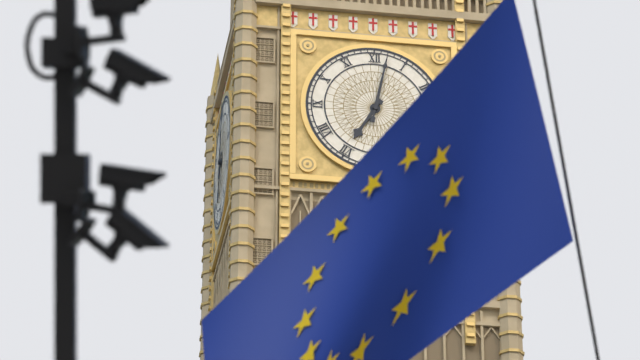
7:02
